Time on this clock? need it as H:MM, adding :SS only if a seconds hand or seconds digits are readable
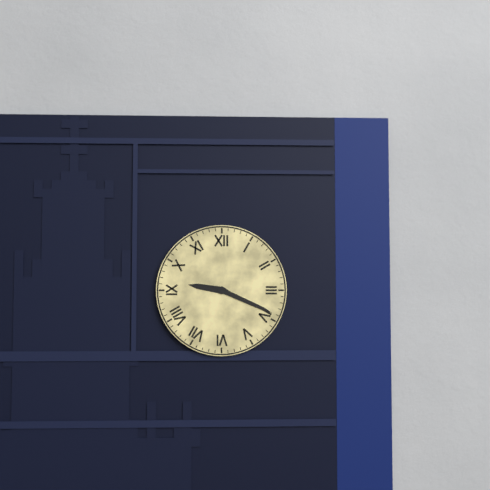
9:19
